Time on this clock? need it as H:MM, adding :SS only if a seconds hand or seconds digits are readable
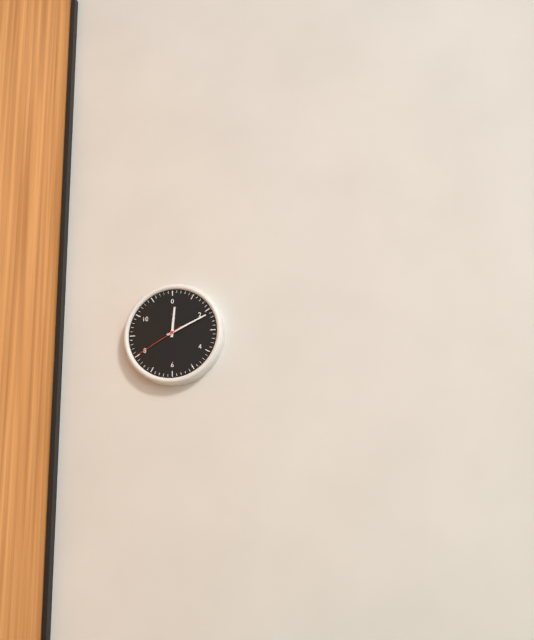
12:11:40
